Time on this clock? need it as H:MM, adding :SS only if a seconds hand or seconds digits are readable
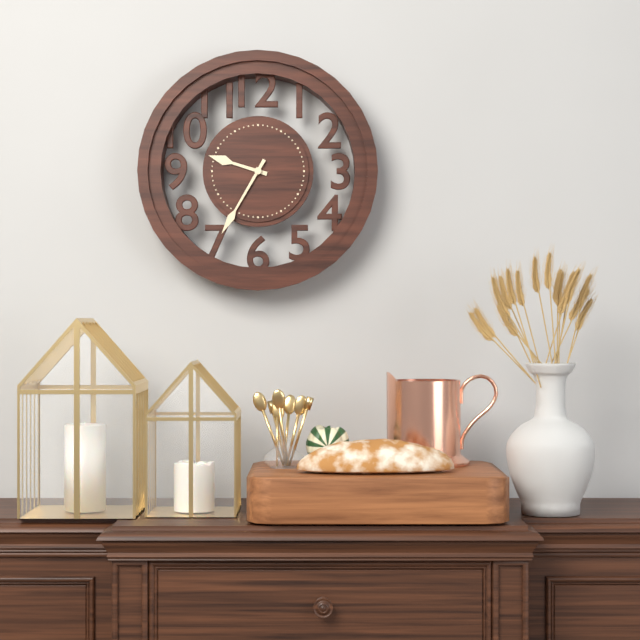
9:35
